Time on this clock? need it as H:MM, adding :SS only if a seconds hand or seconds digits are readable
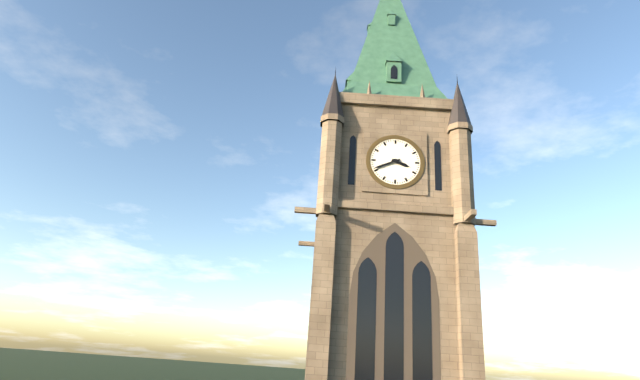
3:41
